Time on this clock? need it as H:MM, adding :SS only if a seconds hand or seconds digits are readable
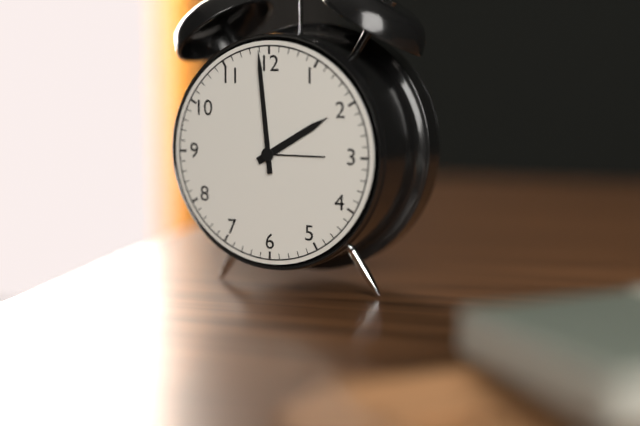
1:59
